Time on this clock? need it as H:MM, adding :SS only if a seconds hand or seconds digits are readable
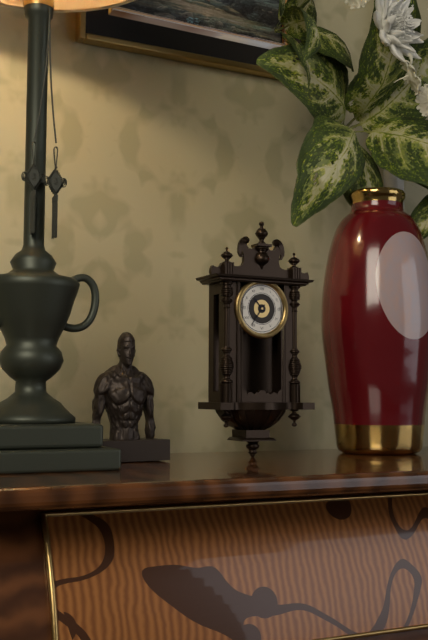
10:36
